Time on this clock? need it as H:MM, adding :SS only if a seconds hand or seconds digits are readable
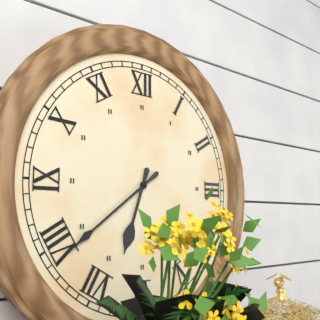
6:39
